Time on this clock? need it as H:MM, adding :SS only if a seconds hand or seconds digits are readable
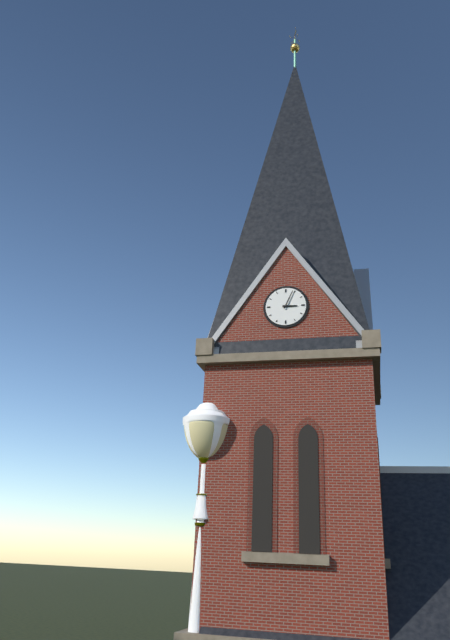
3:04
